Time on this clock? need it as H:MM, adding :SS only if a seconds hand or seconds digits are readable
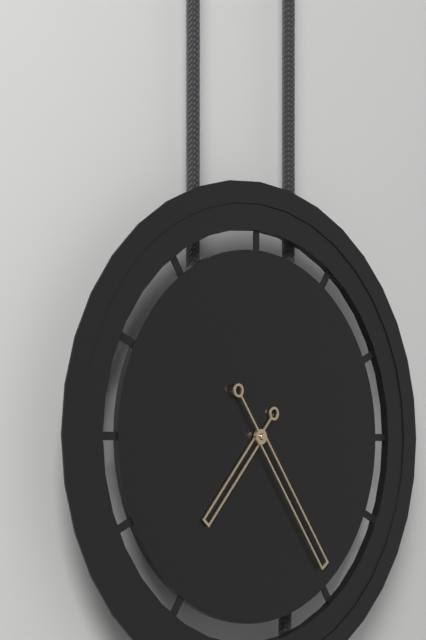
7:24
